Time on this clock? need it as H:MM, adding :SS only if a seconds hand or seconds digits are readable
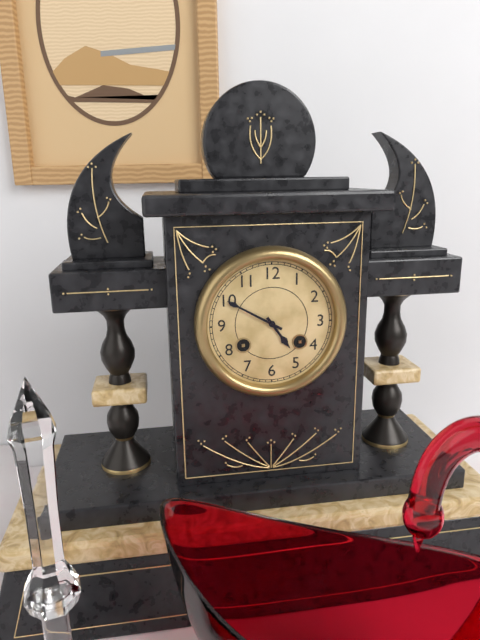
4:50
